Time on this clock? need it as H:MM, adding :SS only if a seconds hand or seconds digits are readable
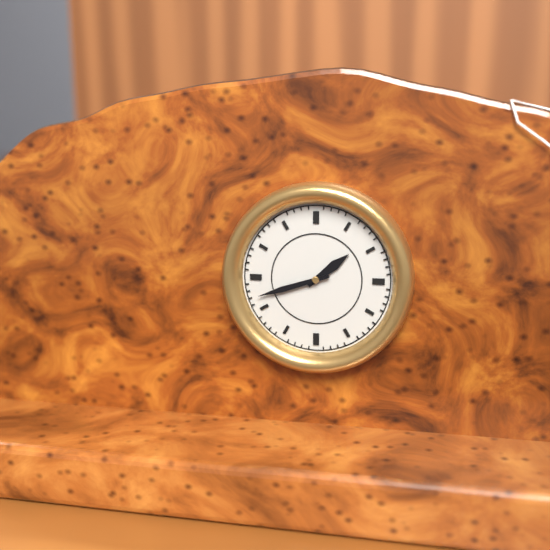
1:42
